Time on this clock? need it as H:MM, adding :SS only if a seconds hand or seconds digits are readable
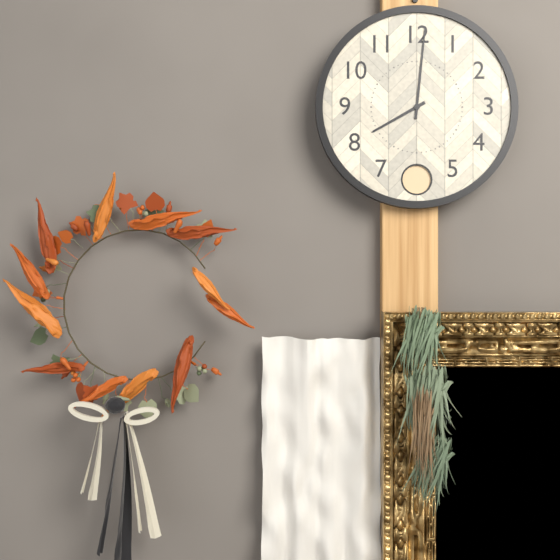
8:01
